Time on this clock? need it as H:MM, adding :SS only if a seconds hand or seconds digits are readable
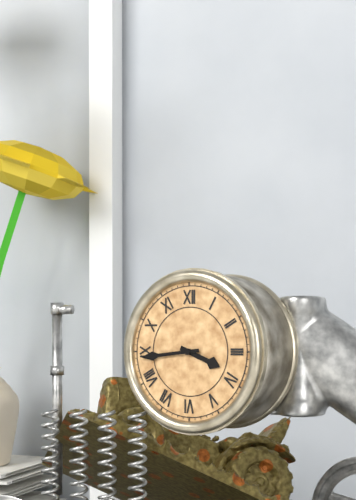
3:44
